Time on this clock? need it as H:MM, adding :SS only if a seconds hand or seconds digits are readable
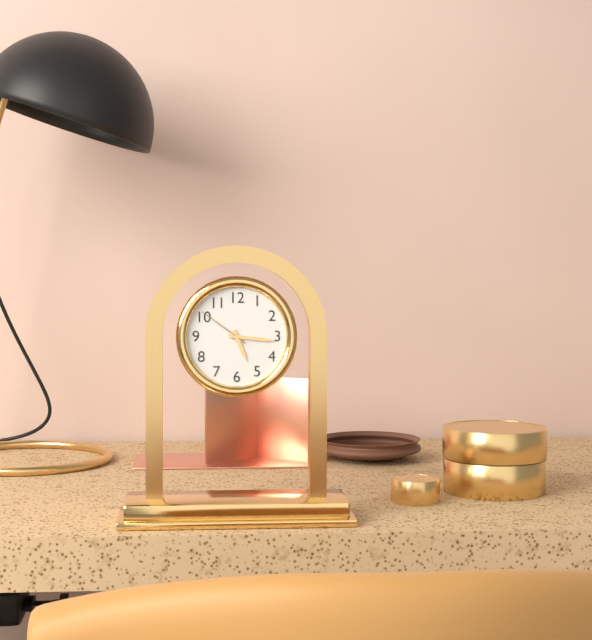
5:16:51
